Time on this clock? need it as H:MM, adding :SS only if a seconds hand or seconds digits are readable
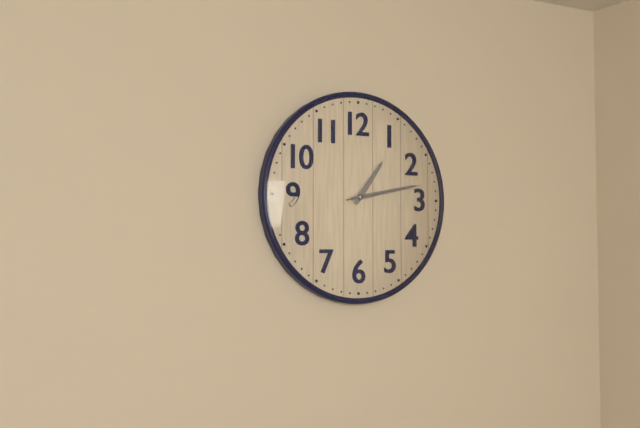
1:13:13
